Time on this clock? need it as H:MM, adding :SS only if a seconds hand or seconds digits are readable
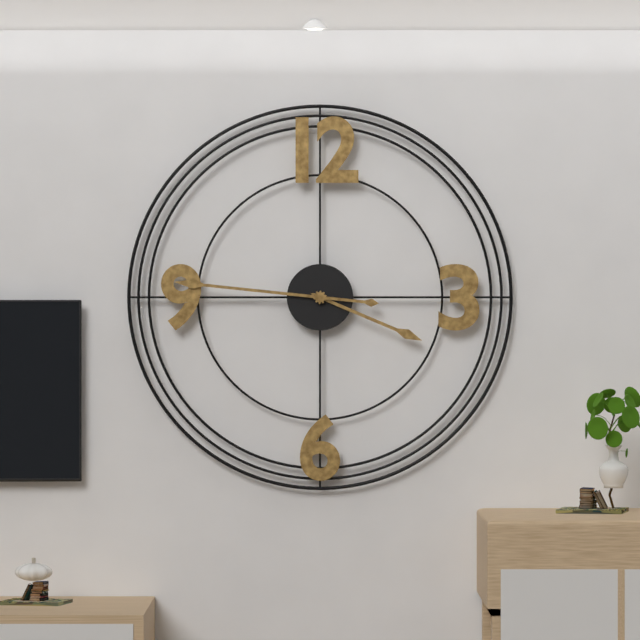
3:46
